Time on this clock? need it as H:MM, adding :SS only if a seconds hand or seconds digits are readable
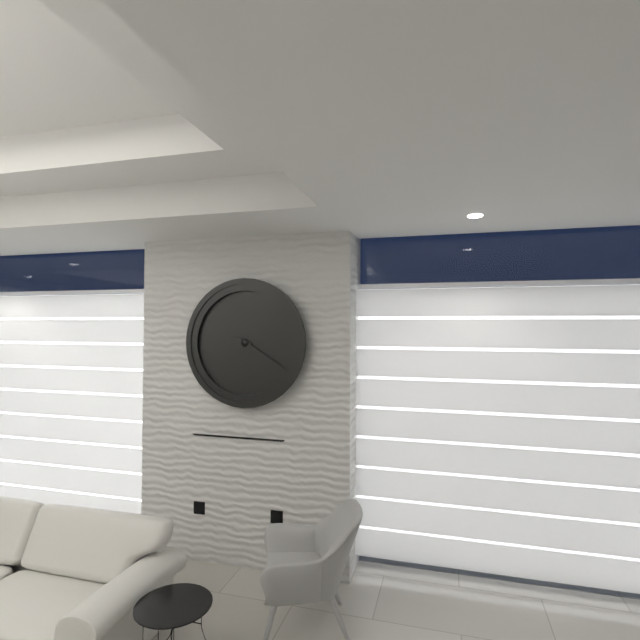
9:20
